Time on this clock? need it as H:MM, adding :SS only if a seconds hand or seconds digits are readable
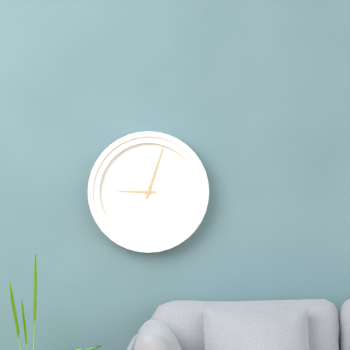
9:03
